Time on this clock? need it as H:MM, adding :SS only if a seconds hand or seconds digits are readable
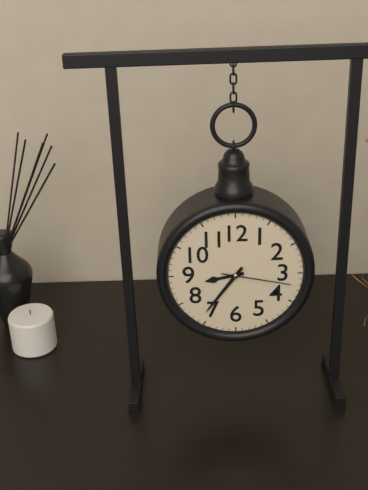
8:36:17
